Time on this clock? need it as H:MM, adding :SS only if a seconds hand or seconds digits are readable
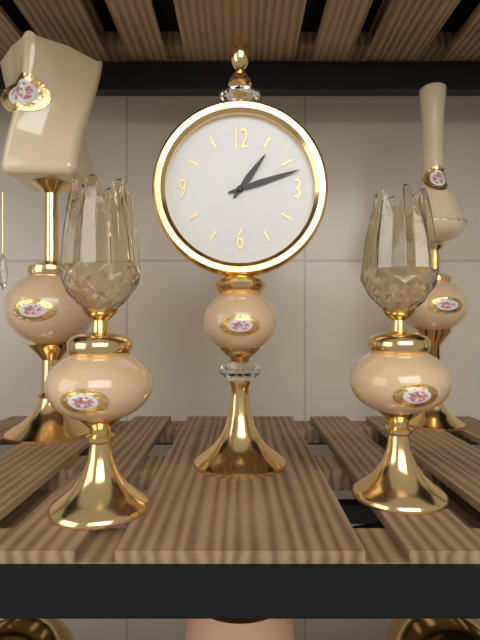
1:12
